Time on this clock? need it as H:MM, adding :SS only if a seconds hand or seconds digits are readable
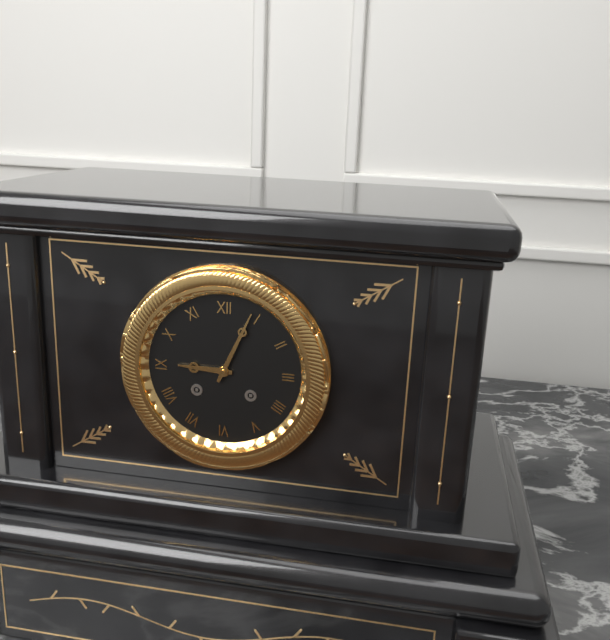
9:04
